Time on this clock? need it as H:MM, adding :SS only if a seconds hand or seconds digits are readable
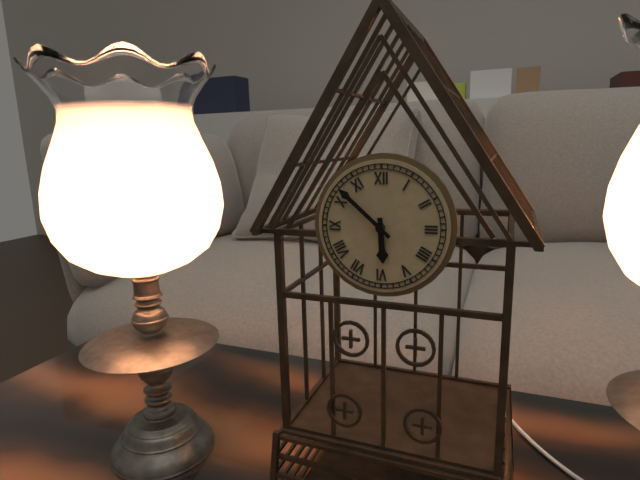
5:52
